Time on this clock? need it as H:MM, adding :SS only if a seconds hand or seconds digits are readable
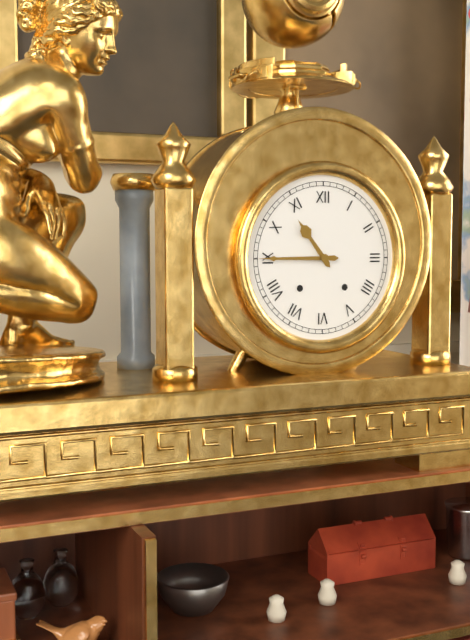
10:45
